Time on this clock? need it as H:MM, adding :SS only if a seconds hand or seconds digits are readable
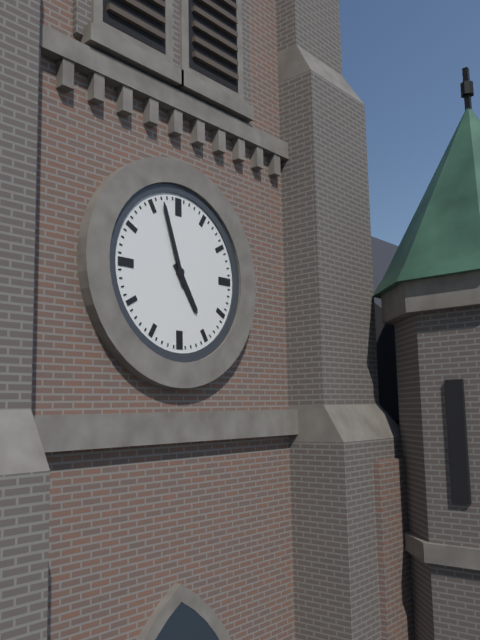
4:57
